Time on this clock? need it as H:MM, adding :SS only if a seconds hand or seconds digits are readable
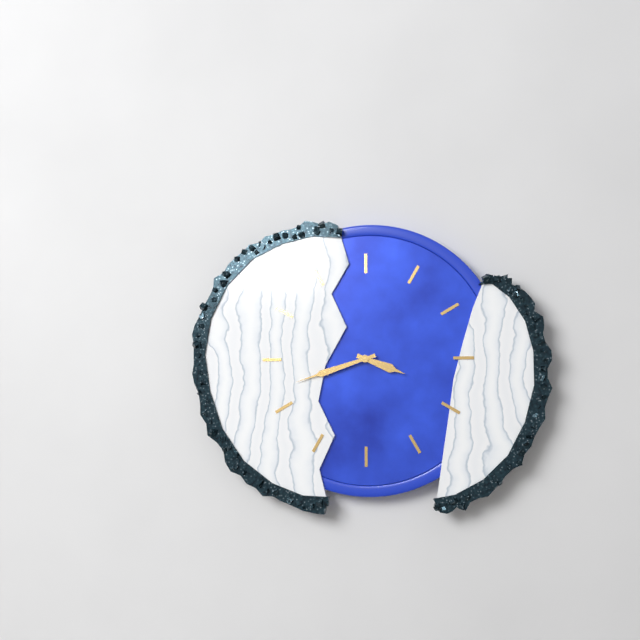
3:42
